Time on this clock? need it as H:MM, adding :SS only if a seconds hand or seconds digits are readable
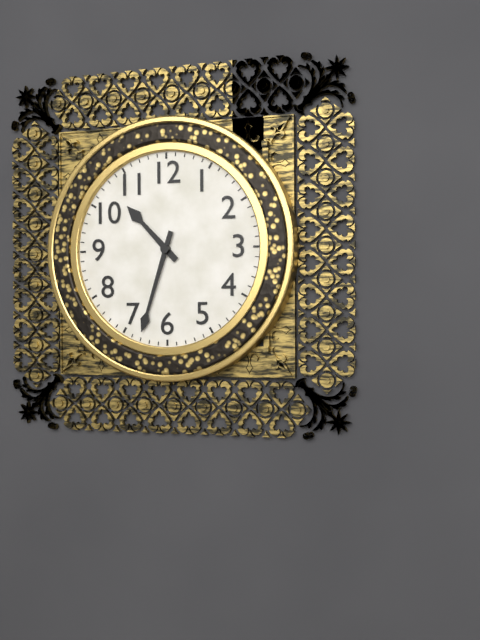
10:33
